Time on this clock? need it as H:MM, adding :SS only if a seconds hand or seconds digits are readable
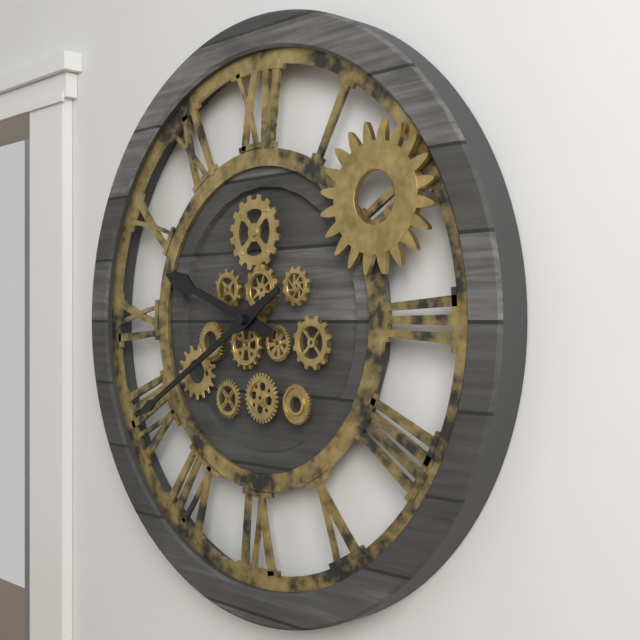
9:40
